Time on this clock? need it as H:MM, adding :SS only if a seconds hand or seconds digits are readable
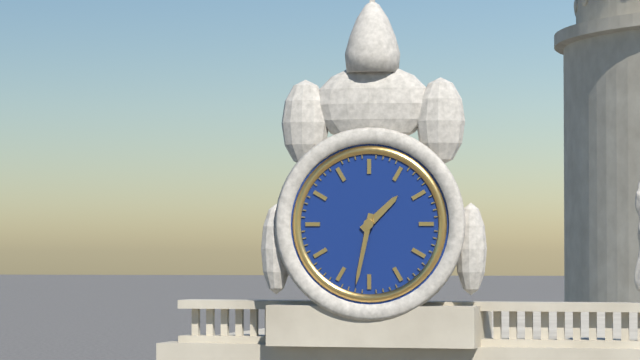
1:32
